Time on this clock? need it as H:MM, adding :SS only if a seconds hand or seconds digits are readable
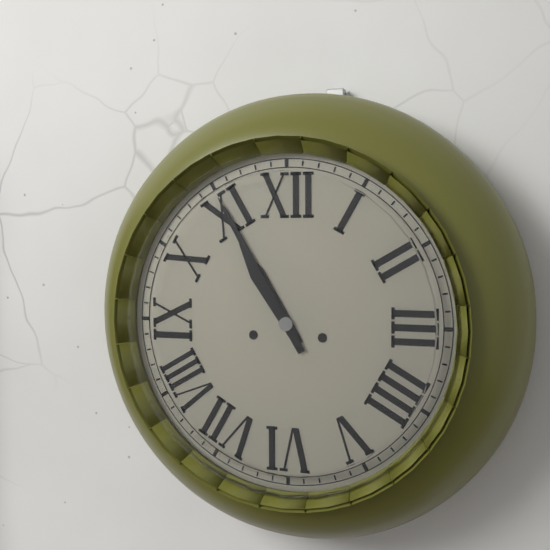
10:55
